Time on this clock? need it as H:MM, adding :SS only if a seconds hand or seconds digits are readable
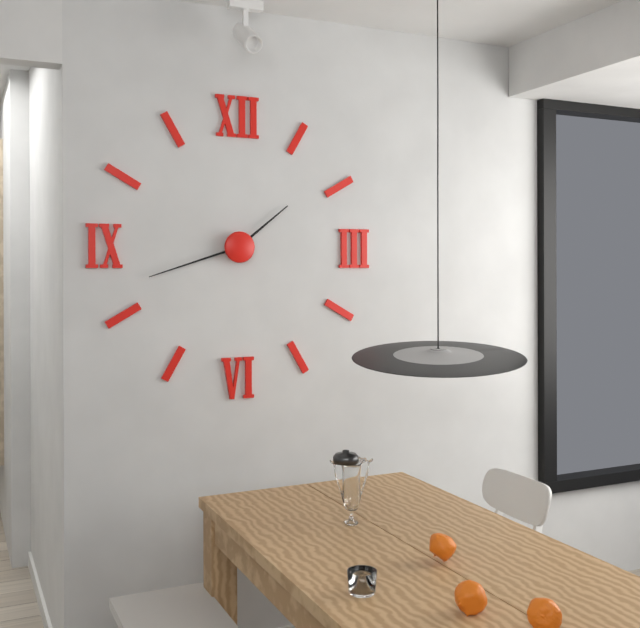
1:42
